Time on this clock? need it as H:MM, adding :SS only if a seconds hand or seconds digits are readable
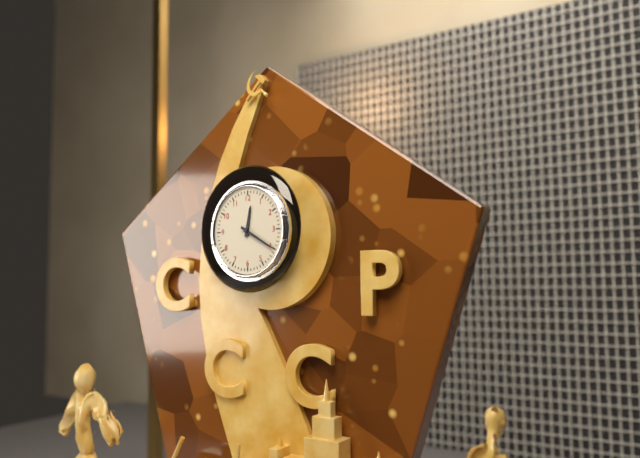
12:20
